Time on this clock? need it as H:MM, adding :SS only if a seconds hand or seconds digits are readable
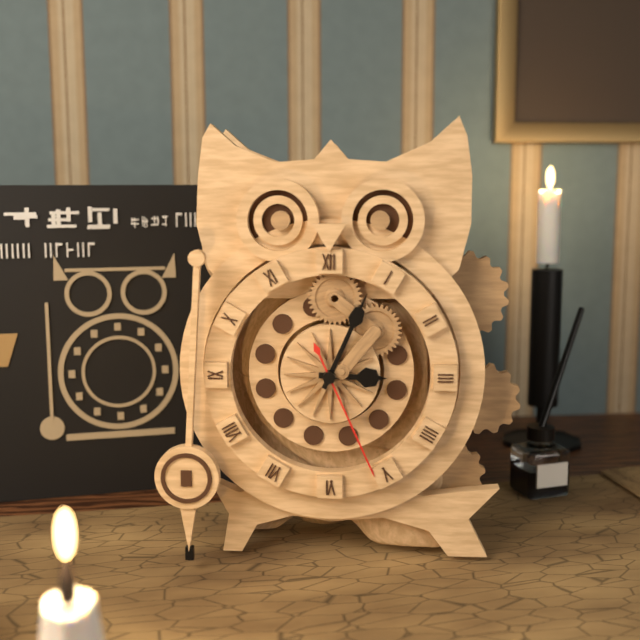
3:04:26
